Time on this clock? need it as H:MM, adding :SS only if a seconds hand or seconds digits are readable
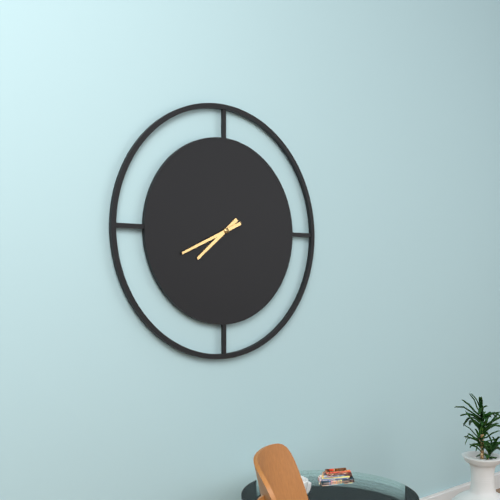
7:41
